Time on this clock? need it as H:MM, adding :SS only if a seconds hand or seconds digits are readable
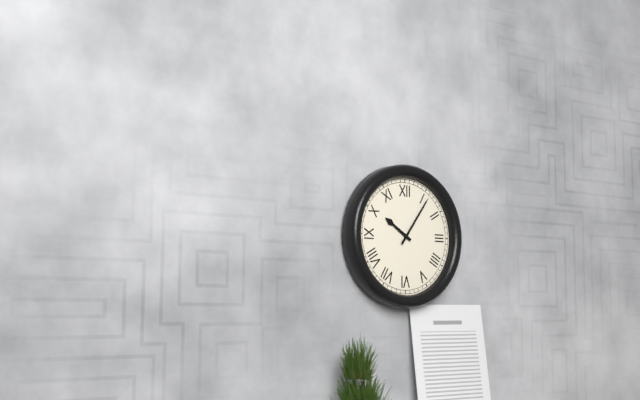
10:06
